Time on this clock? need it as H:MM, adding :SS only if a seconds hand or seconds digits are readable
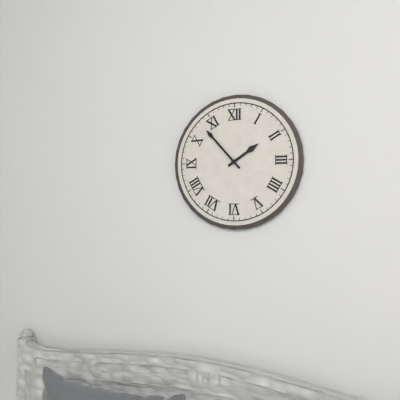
1:53
